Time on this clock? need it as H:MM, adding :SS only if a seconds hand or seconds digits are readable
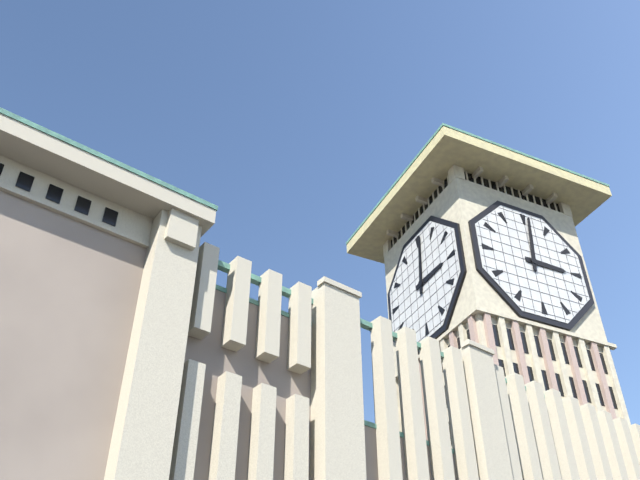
3:01
